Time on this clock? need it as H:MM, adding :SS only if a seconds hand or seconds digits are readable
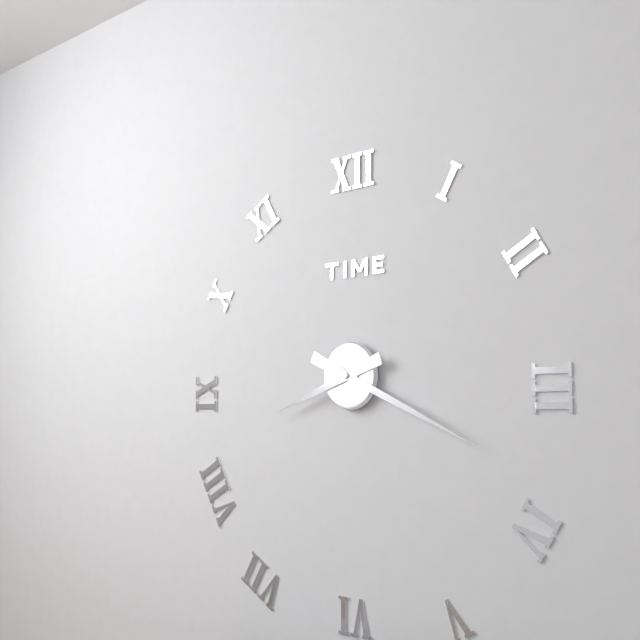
8:19
